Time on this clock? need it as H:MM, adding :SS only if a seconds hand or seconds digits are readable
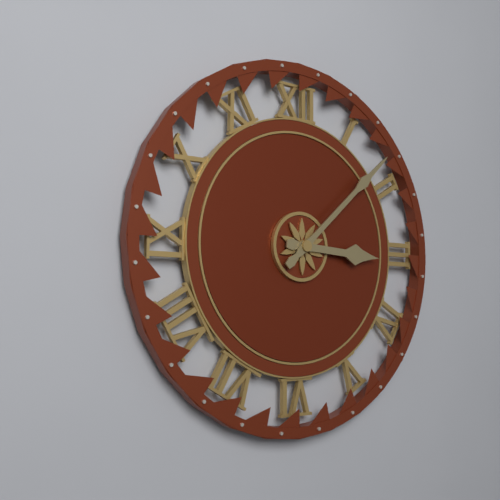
3:08
